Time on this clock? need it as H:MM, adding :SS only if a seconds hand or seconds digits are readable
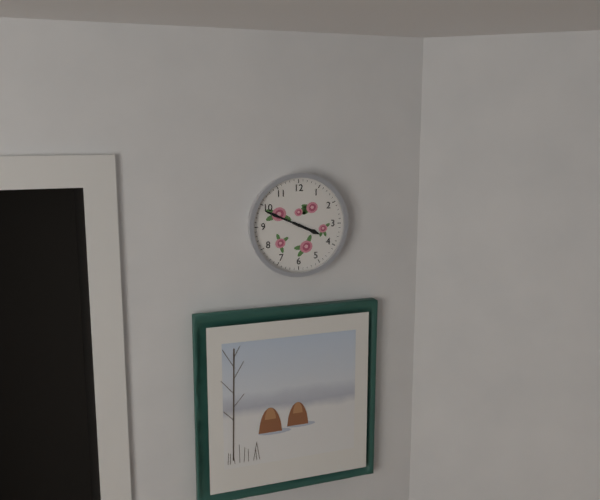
3:49
